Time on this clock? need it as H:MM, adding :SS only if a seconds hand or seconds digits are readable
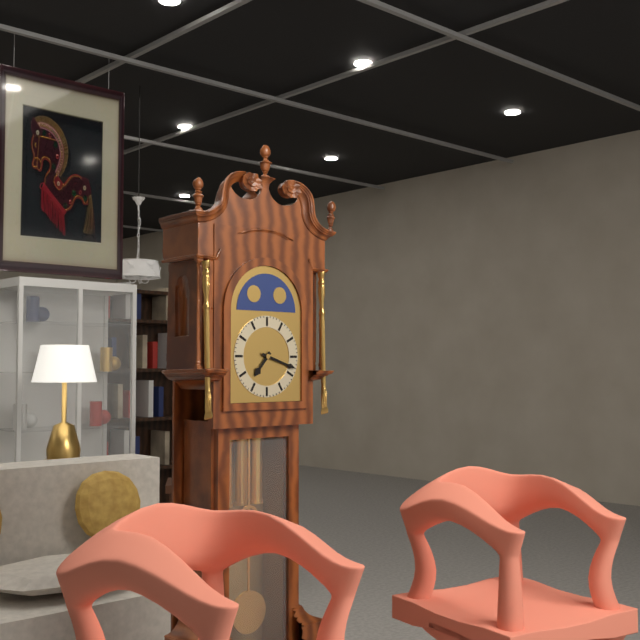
7:18
